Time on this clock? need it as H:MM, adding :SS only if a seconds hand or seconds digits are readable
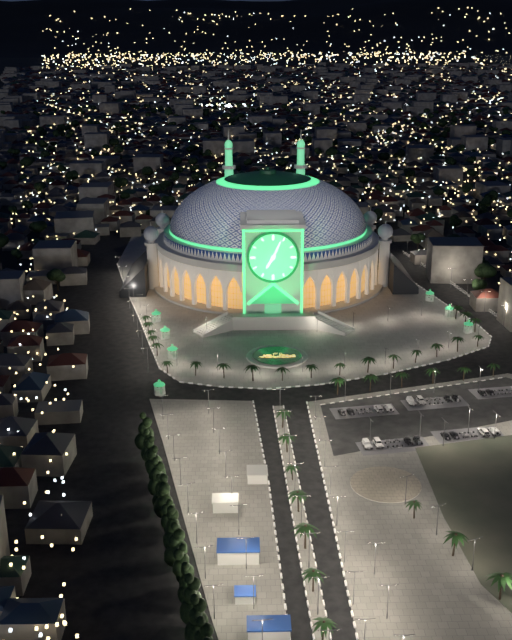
7:04
